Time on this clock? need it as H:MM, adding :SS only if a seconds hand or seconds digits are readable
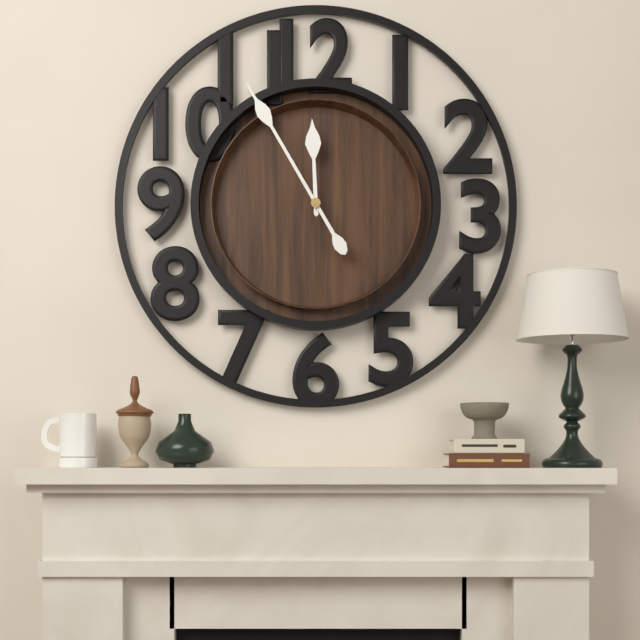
11:55
